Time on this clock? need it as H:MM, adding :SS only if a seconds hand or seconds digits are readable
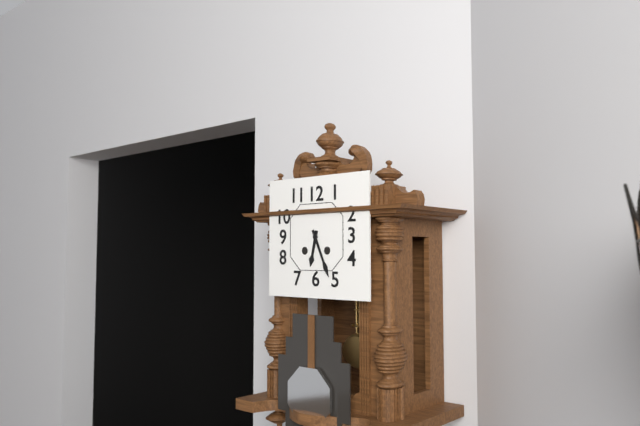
6:26
